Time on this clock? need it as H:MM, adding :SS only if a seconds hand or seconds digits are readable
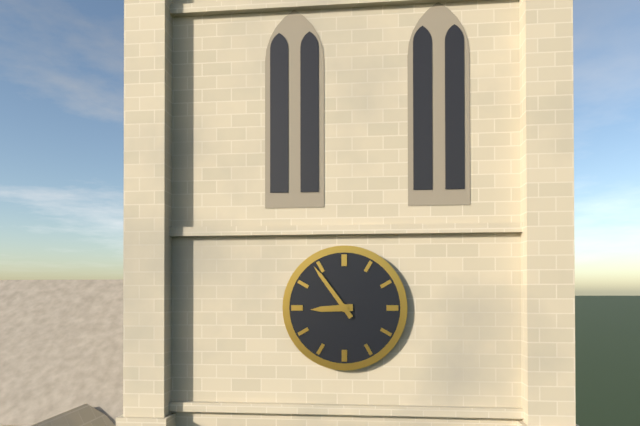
8:54
